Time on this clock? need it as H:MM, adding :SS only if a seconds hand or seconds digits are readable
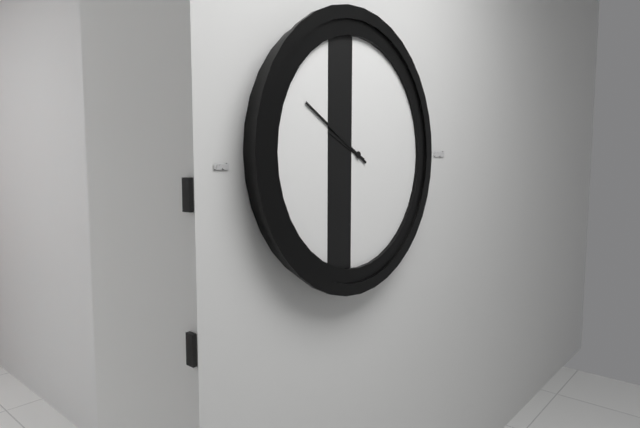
9:50
